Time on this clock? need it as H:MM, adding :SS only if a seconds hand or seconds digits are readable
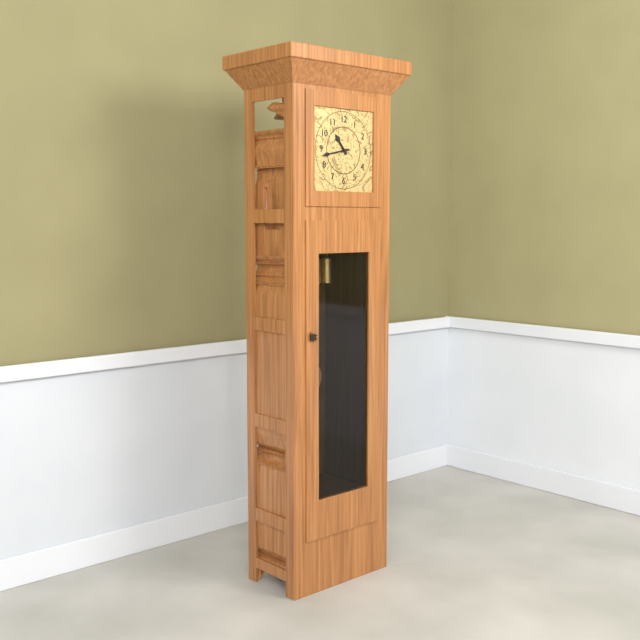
10:43
